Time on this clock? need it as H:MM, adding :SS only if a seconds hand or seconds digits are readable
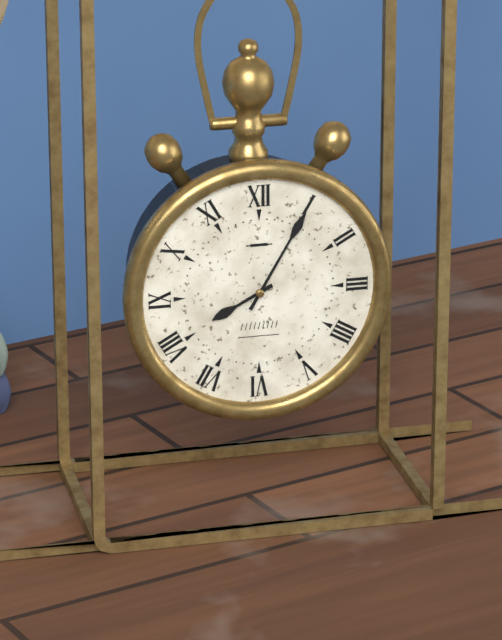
8:05
